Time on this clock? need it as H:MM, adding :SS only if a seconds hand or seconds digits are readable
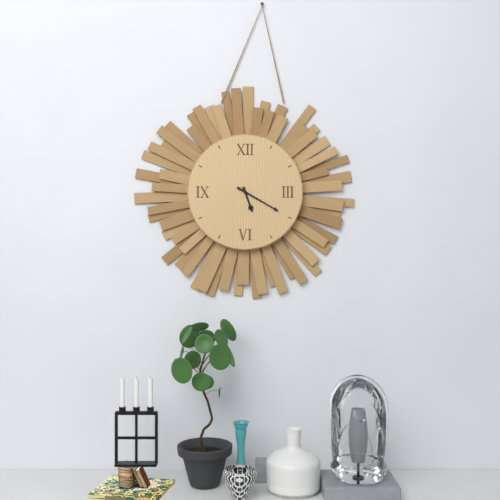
5:20
